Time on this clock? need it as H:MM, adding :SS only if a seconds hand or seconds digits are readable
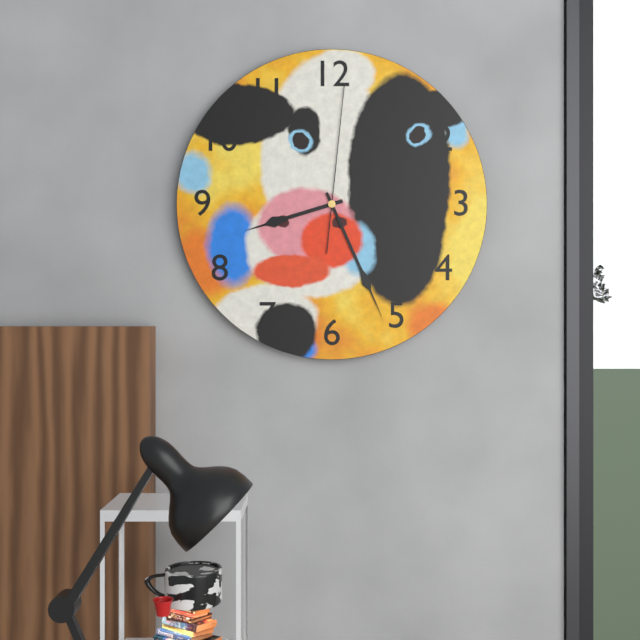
8:26:01
